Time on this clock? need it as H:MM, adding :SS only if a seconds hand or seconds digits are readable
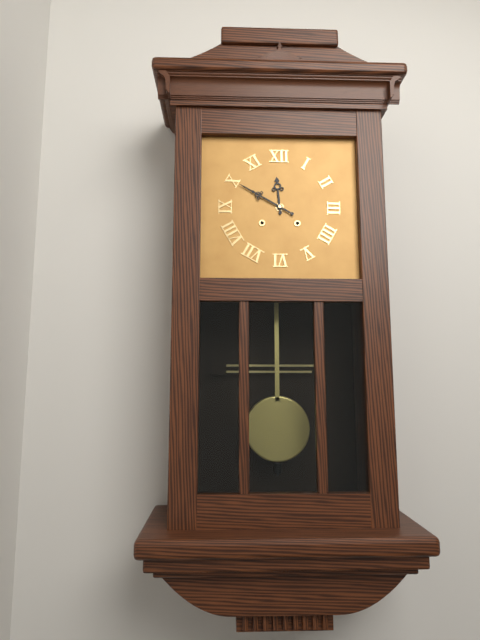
11:50
